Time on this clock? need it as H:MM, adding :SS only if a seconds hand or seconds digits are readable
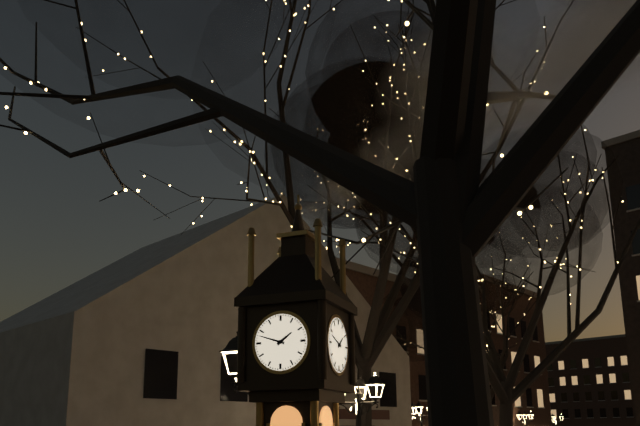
1:48
